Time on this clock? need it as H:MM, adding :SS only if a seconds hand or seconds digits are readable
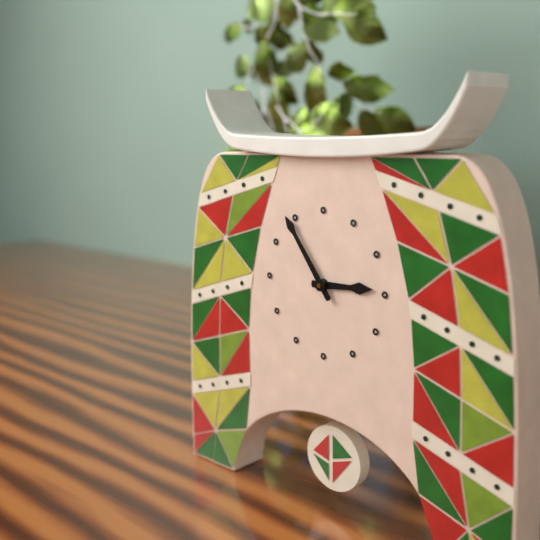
2:54
